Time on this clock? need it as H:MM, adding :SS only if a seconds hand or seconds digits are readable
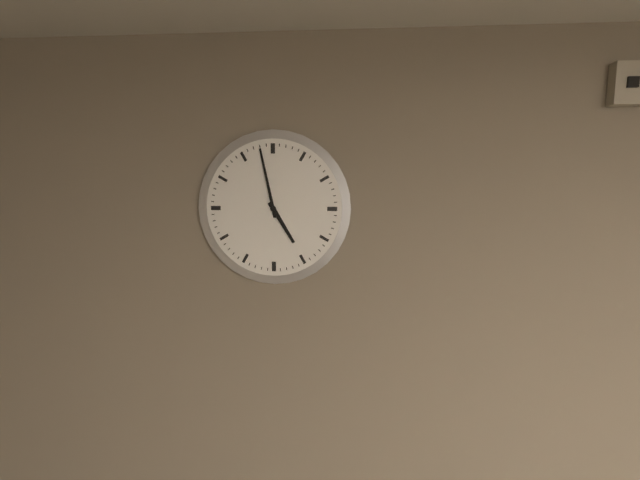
4:58
